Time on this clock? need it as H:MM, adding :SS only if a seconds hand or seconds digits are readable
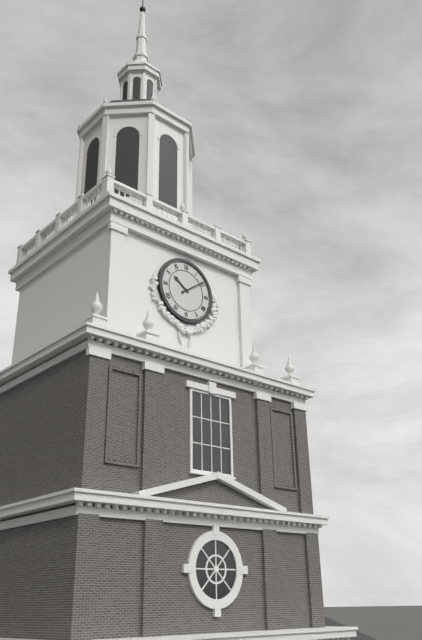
10:09
